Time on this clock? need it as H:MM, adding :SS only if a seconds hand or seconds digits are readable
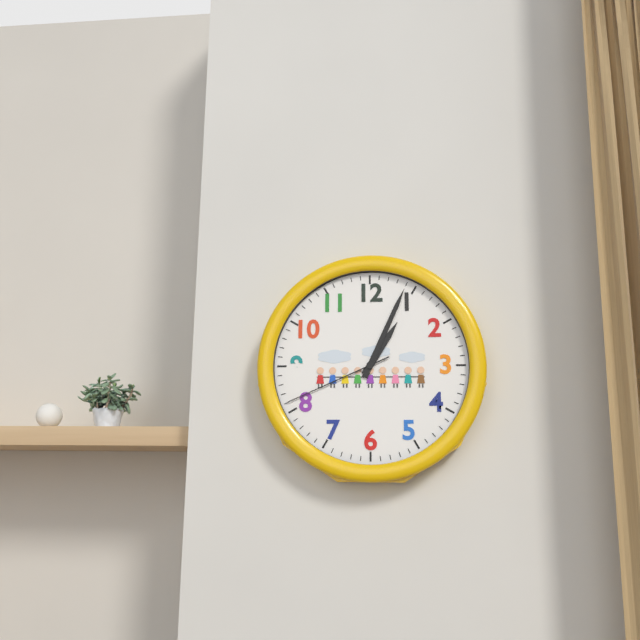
1:04:41
